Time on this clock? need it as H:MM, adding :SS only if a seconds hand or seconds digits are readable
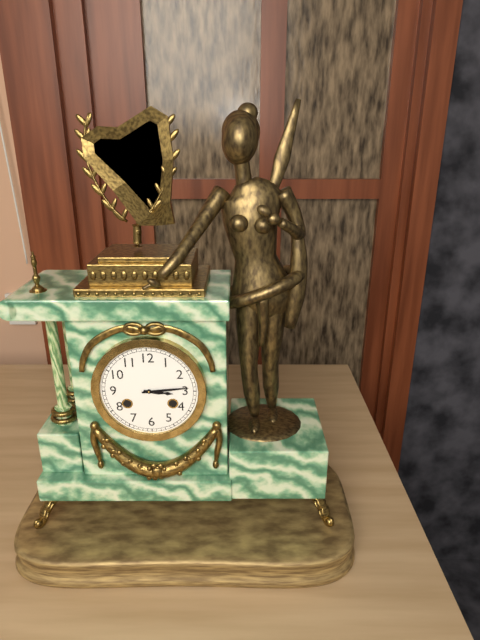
3:14
